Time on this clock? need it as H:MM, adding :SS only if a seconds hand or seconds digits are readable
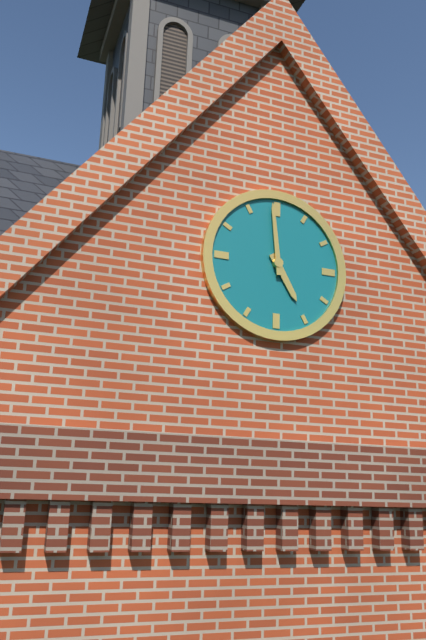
4:59
